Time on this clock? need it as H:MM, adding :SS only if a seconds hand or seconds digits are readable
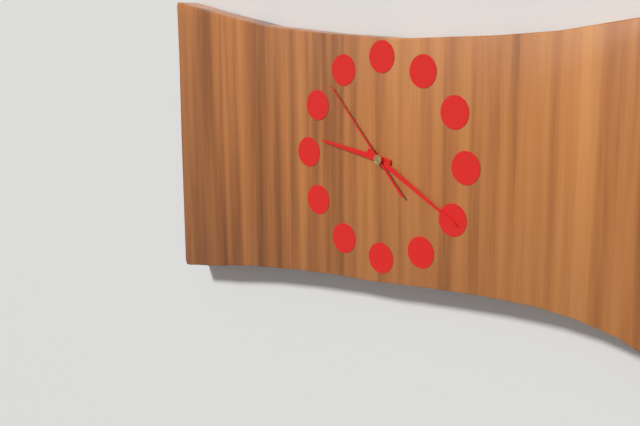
9:20:53
